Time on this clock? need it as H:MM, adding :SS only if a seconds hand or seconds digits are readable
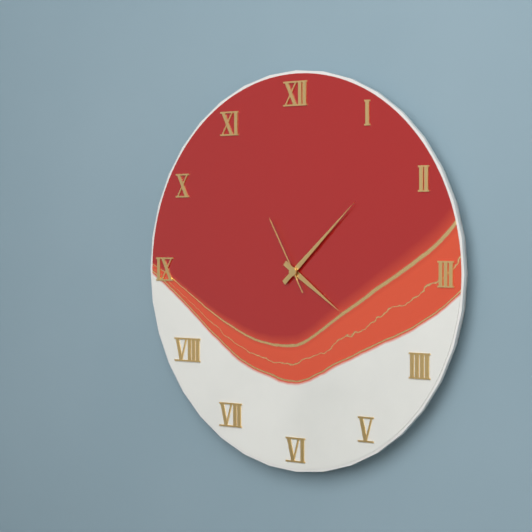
4:08:55
